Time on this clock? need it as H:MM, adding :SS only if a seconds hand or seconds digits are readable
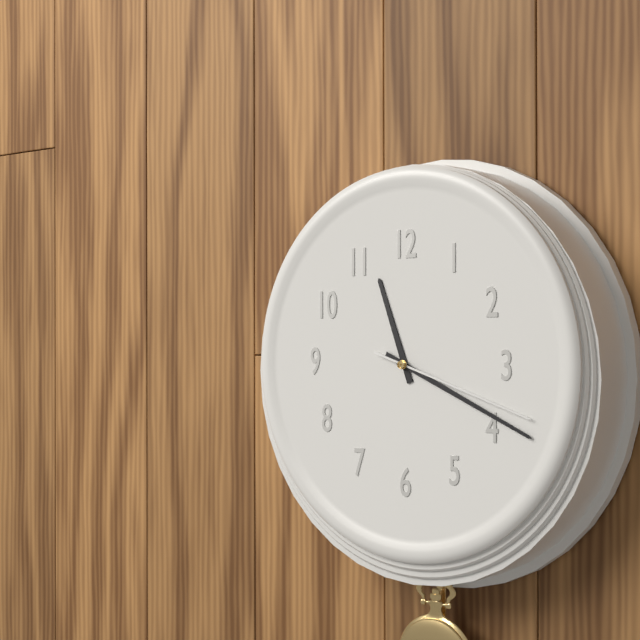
11:19:18
